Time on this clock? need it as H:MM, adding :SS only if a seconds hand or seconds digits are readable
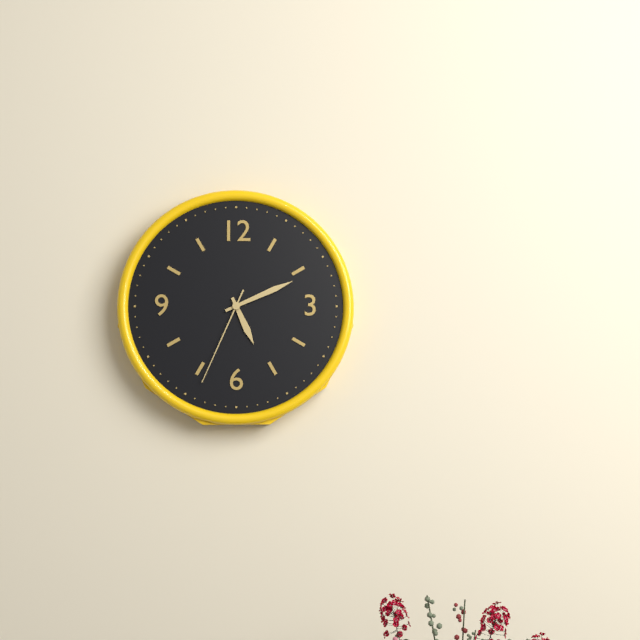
5:11:34
